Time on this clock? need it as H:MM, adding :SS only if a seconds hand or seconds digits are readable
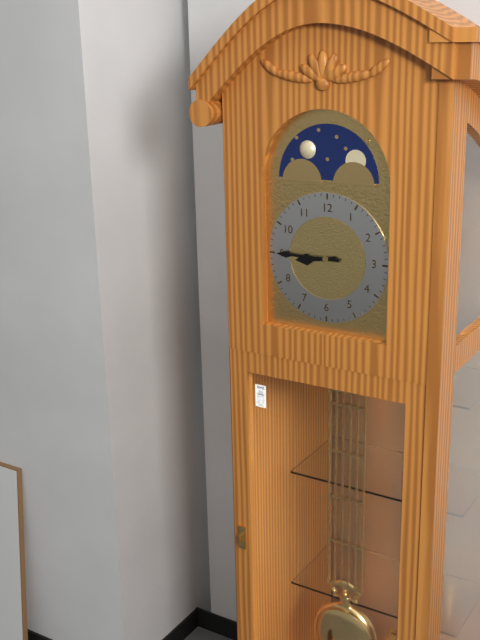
8:45
